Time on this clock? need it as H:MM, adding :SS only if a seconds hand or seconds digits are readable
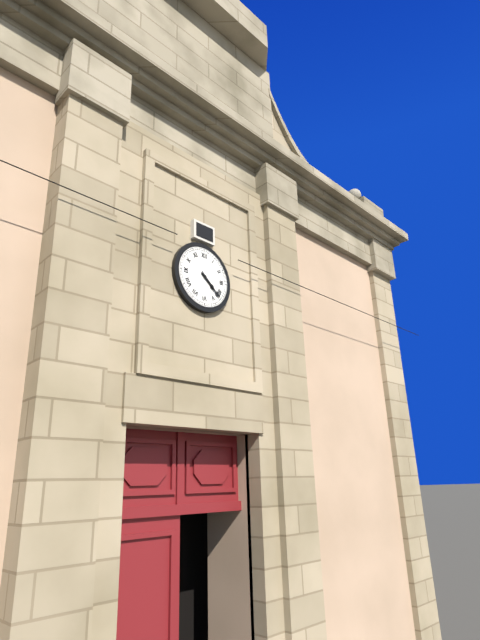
4:22
